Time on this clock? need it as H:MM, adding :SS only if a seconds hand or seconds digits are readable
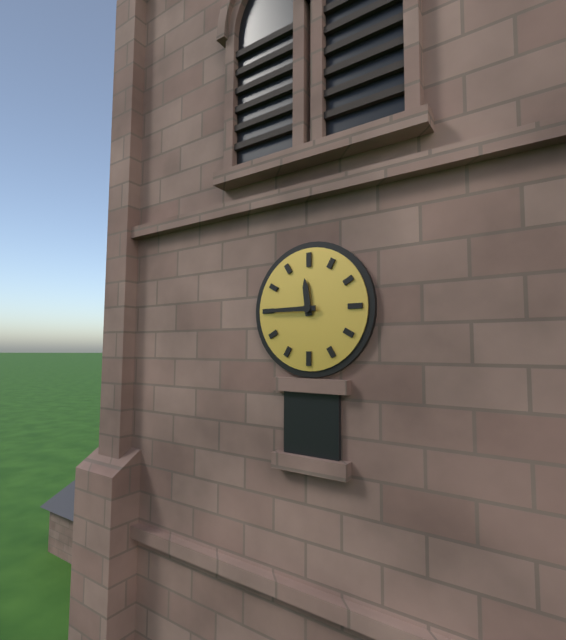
11:45
